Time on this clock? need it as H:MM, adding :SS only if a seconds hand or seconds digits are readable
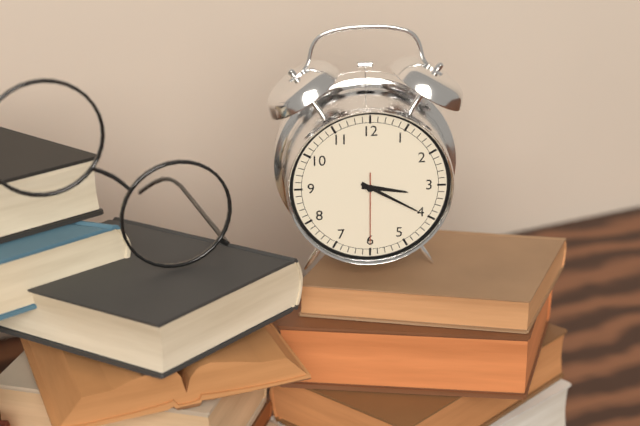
3:20:30
